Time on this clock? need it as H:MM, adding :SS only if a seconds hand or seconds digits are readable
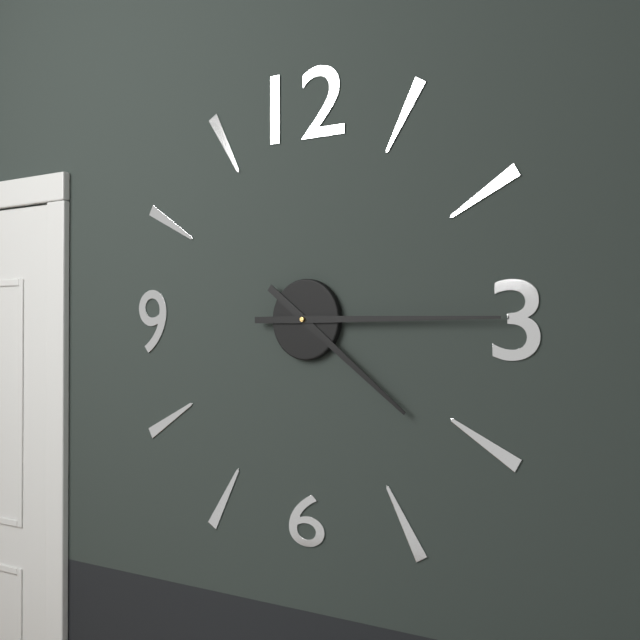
4:15
